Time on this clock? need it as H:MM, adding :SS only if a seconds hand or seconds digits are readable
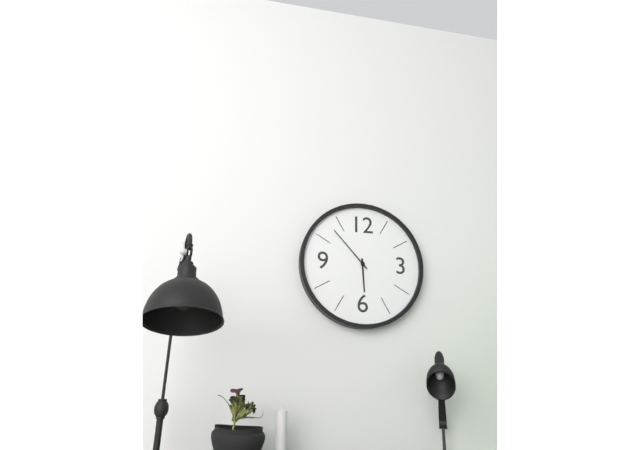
5:53
